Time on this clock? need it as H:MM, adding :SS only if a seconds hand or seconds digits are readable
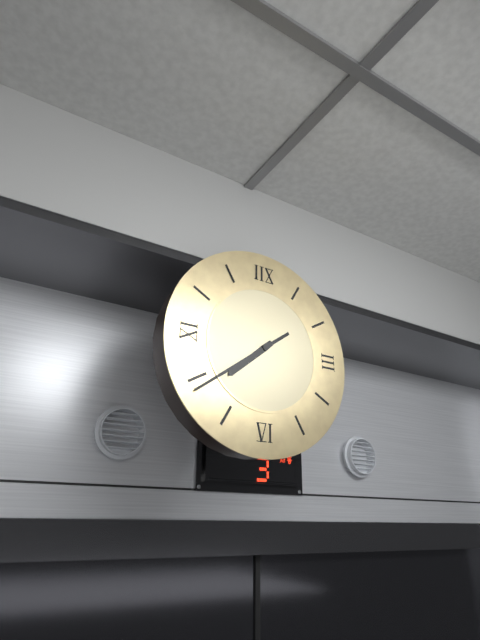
7:39
